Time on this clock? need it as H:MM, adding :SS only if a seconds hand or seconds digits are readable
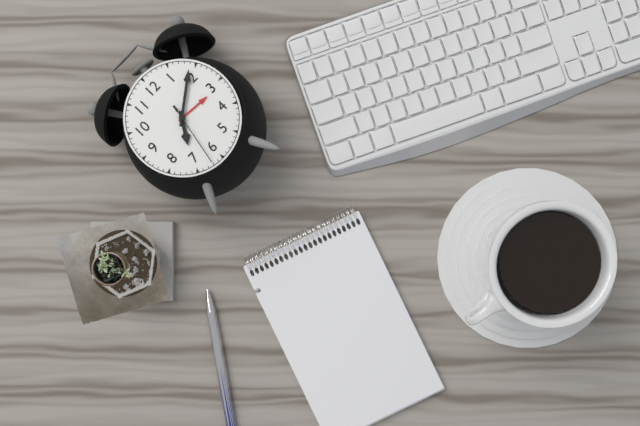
7:09:32
